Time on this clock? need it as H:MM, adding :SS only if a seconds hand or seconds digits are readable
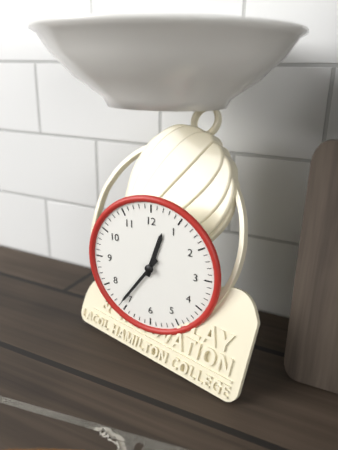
12:36
